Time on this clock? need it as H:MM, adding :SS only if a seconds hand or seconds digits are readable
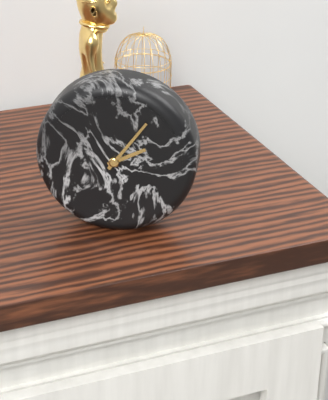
2:06
